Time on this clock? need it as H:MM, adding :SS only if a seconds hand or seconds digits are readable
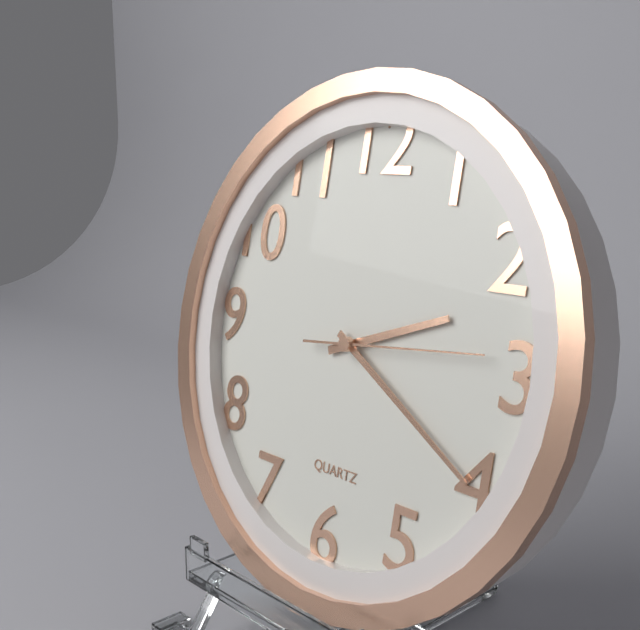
2:20:14
